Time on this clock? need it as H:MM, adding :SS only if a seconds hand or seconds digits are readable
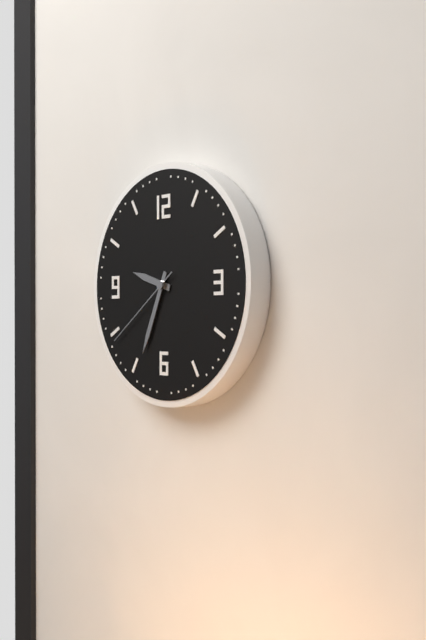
9:34:39
